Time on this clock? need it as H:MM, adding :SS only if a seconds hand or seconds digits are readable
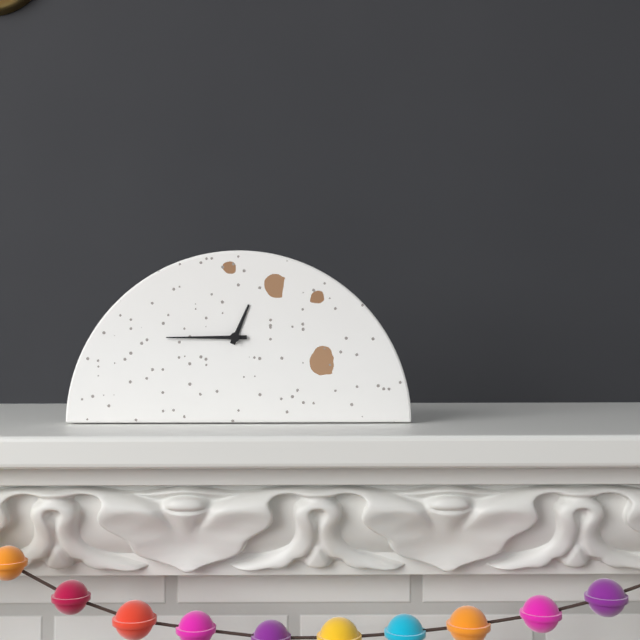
12:45
